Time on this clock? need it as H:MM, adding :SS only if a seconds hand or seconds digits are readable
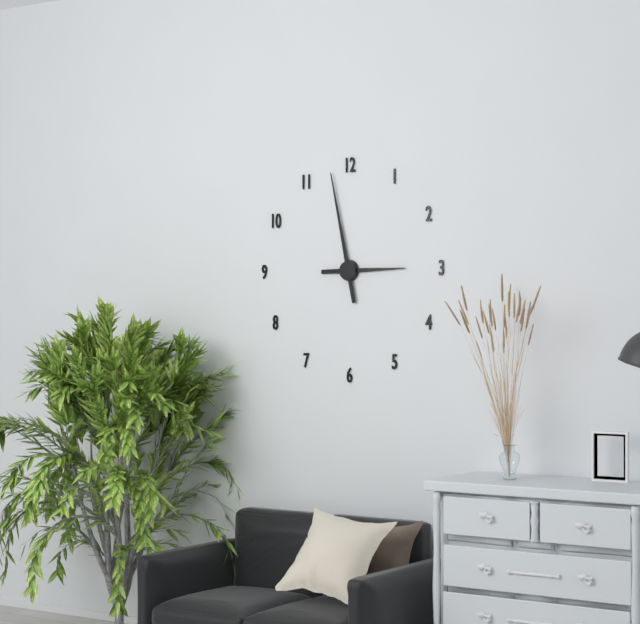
2:58
